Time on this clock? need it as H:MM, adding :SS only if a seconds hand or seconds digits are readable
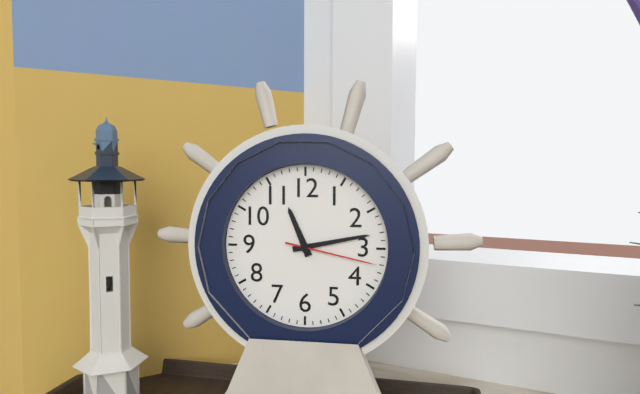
11:13:17
